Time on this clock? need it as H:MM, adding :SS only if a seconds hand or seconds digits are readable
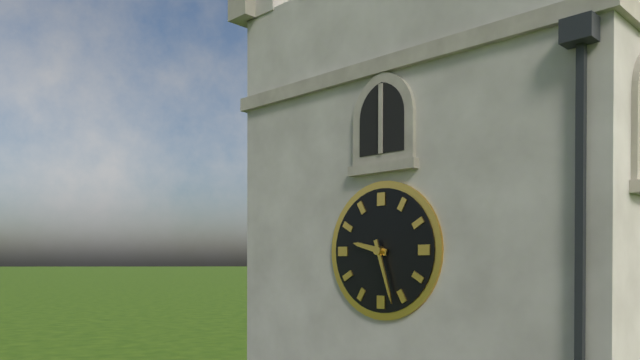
9:27
